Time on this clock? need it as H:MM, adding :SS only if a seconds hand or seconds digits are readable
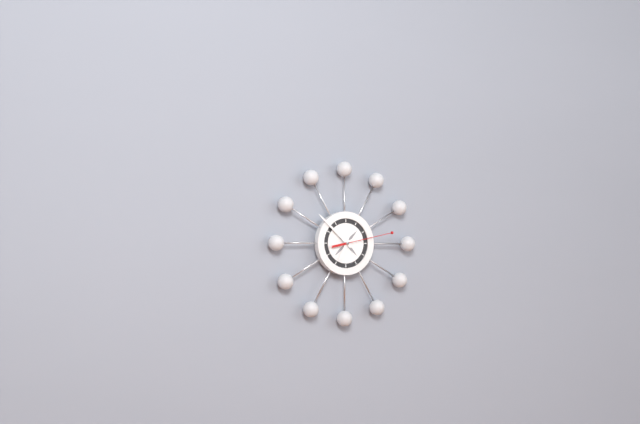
6:52:13
